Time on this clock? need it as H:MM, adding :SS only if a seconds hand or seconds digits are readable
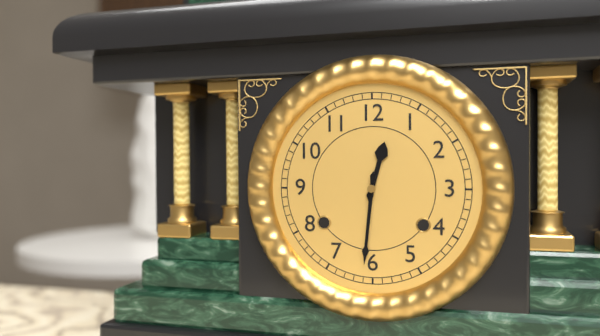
12:31
